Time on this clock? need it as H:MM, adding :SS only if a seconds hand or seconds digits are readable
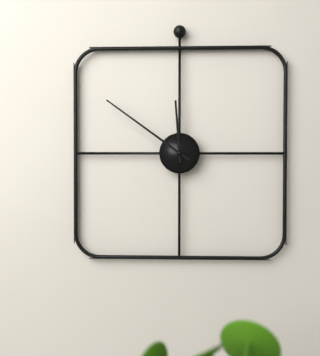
11:51
